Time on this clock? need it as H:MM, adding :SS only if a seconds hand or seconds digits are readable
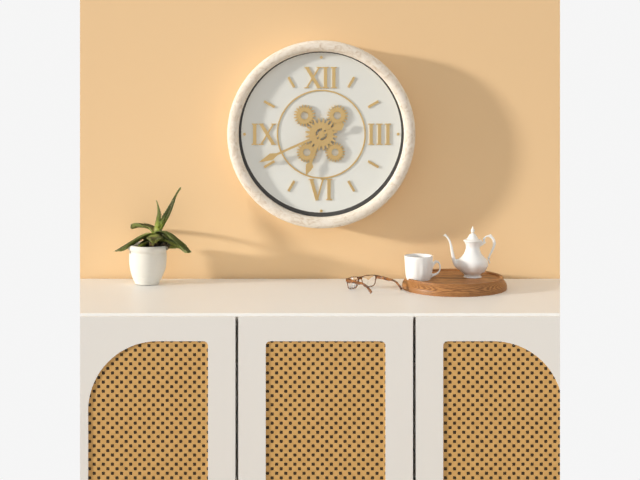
6:41
